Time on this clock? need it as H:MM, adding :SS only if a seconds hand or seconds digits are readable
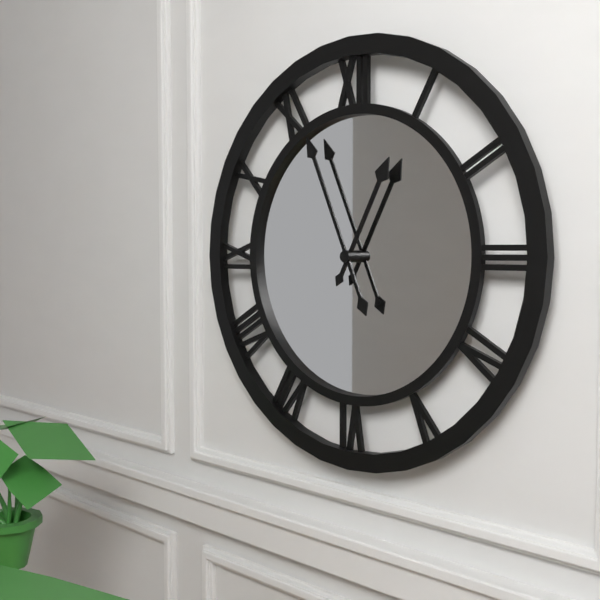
12:56
